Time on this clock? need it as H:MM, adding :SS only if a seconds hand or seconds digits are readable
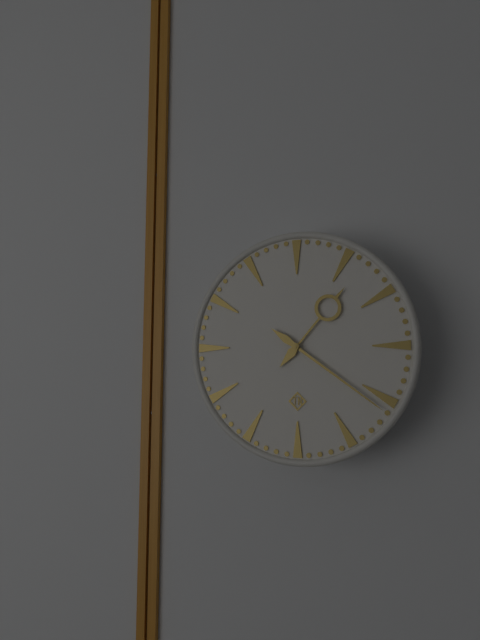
1:21
